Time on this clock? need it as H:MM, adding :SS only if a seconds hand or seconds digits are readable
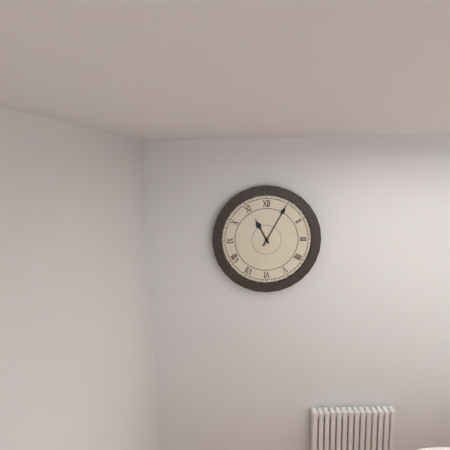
11:05
